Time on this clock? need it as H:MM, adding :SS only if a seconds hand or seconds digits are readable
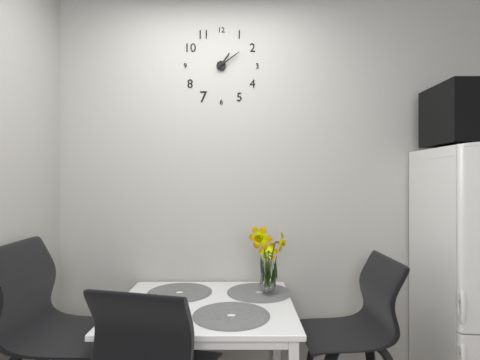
1:09
